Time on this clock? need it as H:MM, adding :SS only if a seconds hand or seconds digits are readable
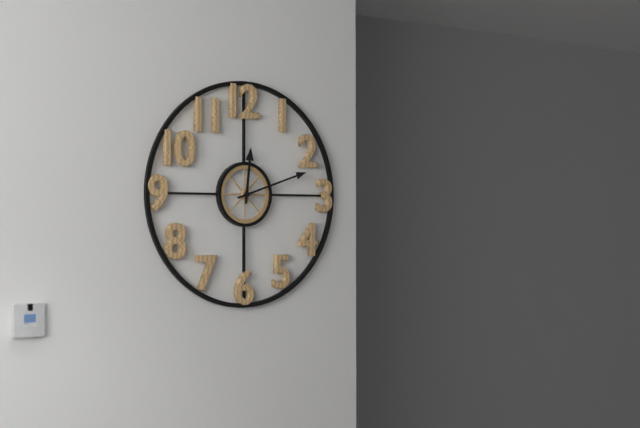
12:12
